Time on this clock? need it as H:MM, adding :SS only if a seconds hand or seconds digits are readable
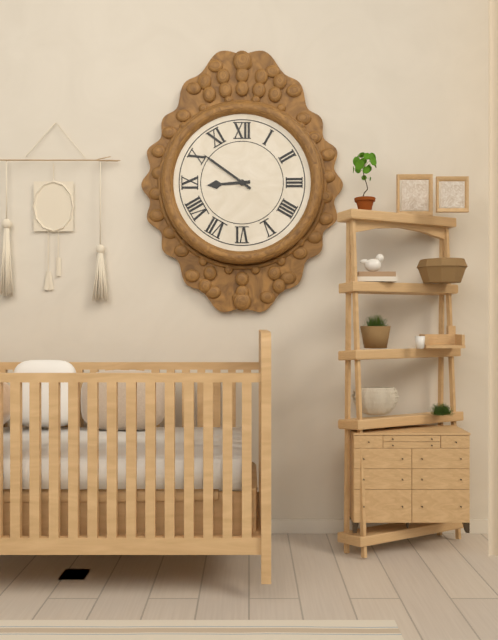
8:51
